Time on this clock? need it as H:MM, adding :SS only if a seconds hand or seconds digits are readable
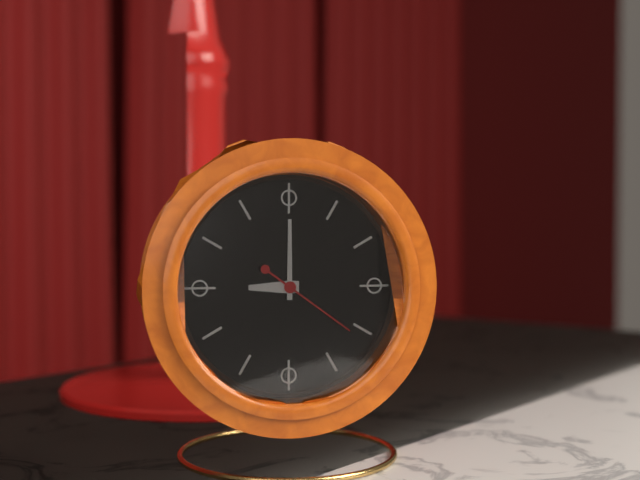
9:00:21
